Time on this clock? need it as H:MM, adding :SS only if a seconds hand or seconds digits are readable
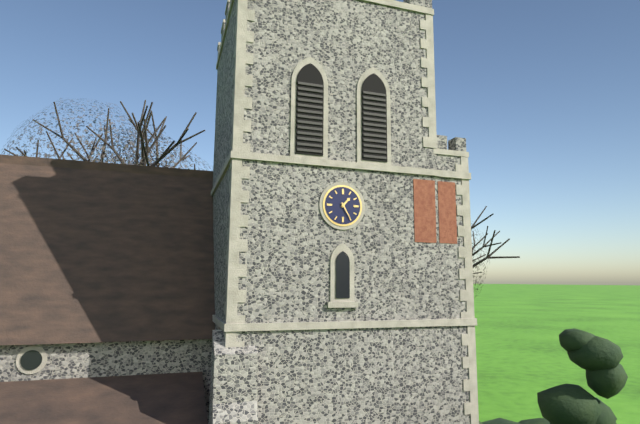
1:25
